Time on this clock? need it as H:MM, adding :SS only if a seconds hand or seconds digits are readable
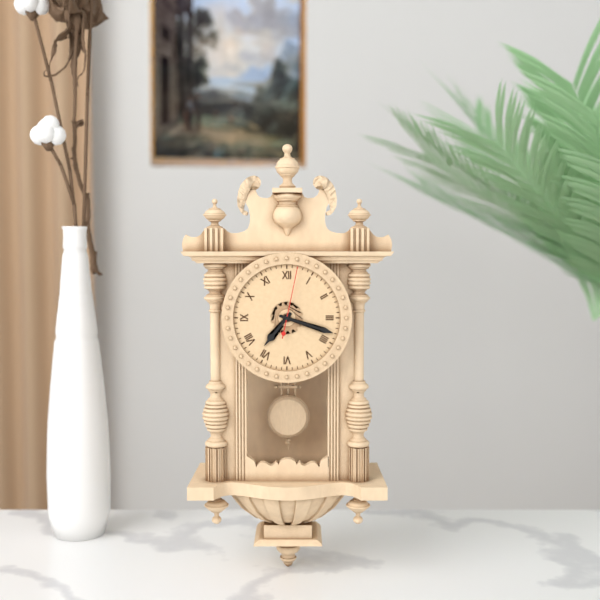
7:18:02
